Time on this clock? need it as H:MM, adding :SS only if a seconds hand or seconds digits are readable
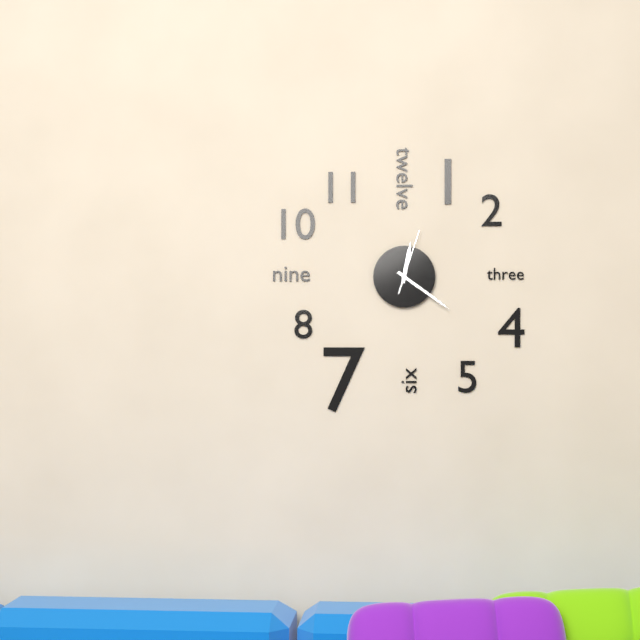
12:21:03
